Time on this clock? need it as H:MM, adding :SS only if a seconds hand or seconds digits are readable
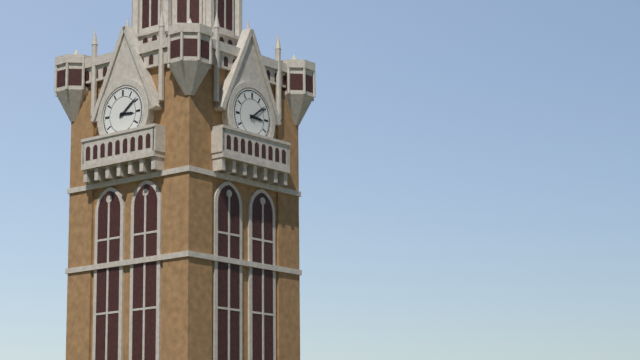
3:09
